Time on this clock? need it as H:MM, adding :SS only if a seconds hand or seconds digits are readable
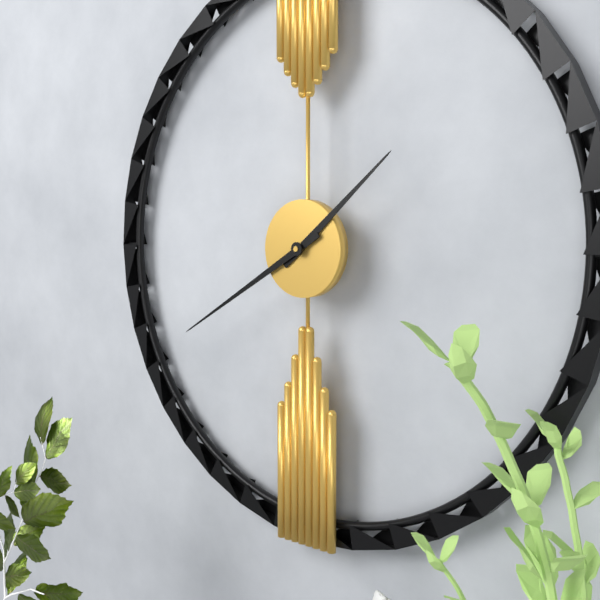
1:40
